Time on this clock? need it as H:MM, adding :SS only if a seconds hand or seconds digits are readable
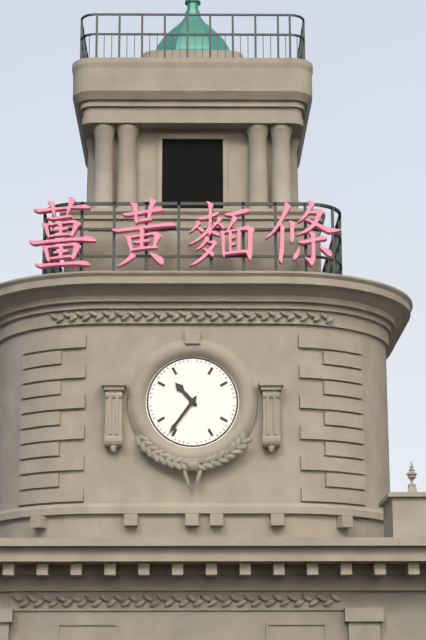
10:36
